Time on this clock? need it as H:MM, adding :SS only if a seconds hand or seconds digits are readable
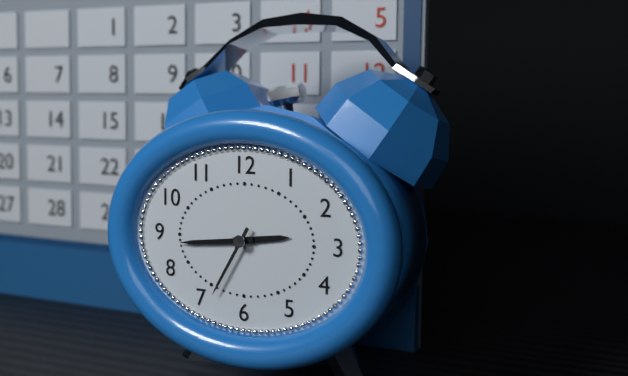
2:44:35
